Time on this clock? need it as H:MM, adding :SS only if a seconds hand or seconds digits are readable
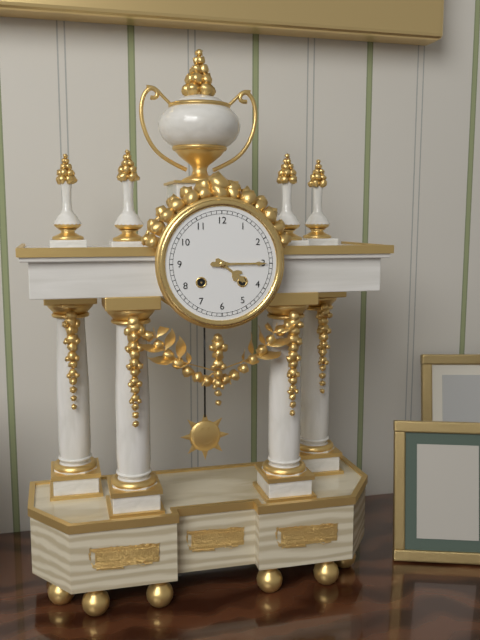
4:15
